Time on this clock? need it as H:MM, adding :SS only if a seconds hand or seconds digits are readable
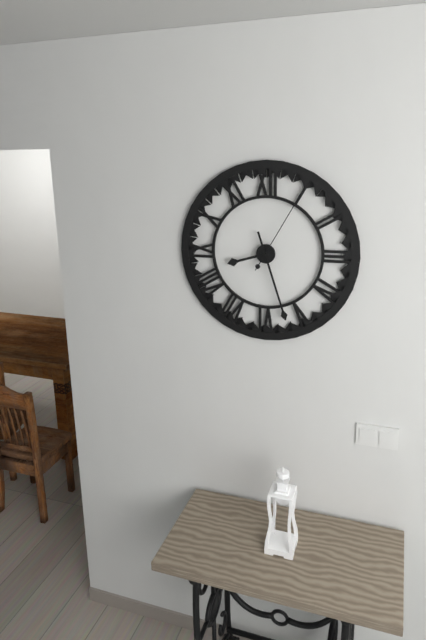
8:27:05
